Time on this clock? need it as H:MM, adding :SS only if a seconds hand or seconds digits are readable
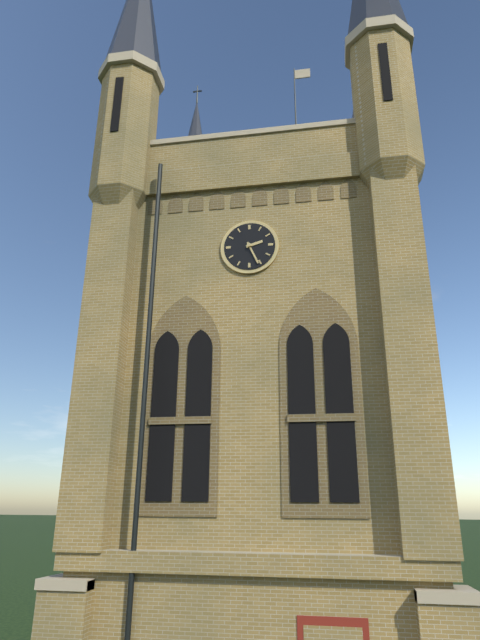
2:26
